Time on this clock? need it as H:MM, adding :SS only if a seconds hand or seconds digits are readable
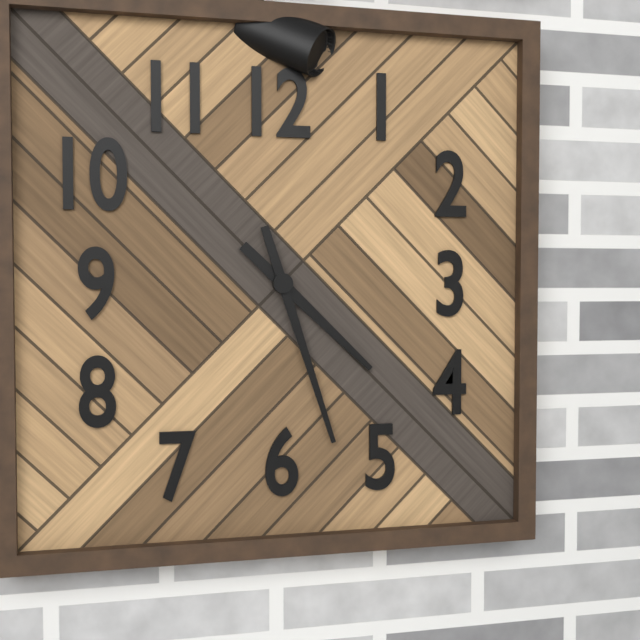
4:27
